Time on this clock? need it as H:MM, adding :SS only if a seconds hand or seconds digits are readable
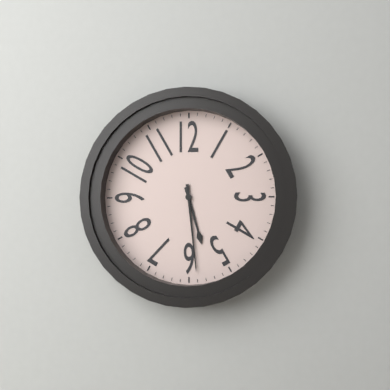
5:29
